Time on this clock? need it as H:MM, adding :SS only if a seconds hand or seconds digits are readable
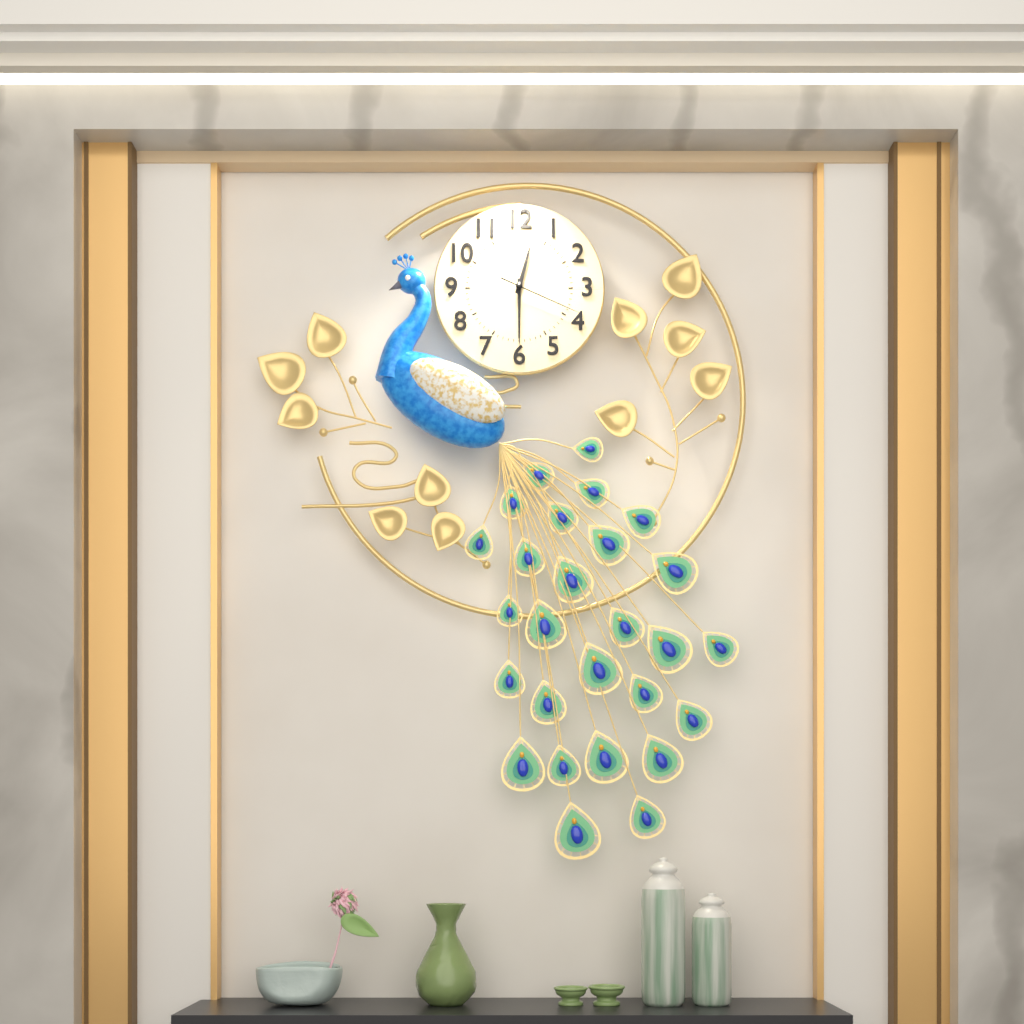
12:30:19
